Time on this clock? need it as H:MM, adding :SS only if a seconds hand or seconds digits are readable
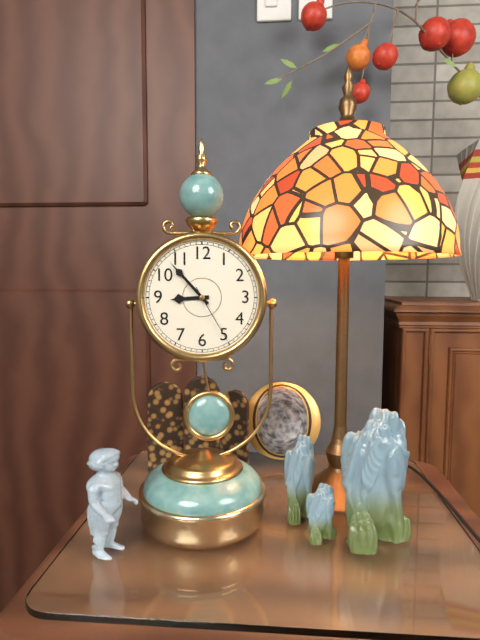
8:53:25
